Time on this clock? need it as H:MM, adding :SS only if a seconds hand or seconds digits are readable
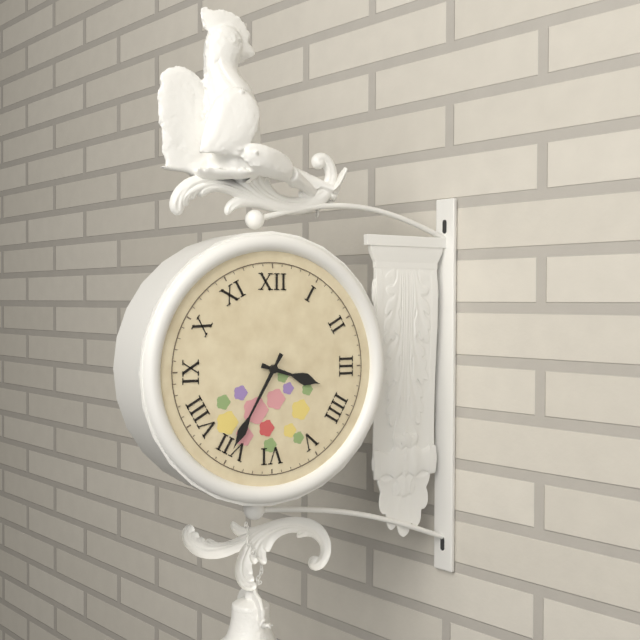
3:35
